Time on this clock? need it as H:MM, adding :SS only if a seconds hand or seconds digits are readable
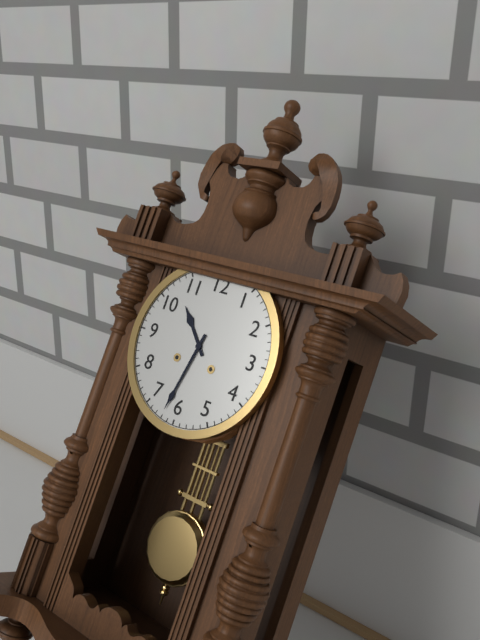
10:32
